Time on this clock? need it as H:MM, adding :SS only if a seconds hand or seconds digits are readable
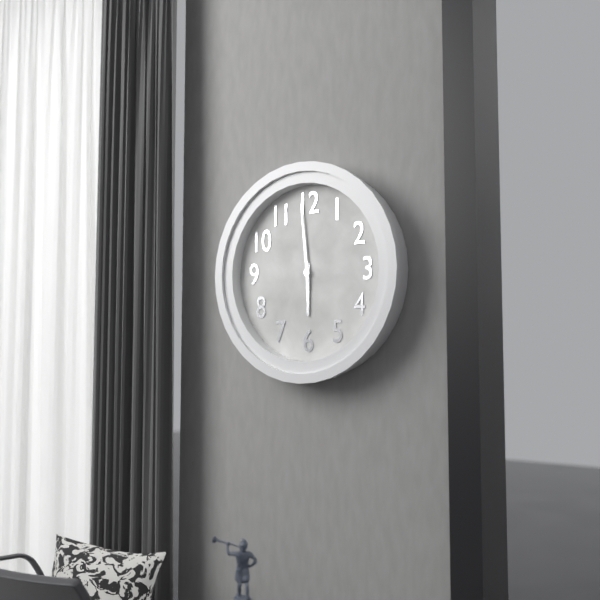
5:59:59
